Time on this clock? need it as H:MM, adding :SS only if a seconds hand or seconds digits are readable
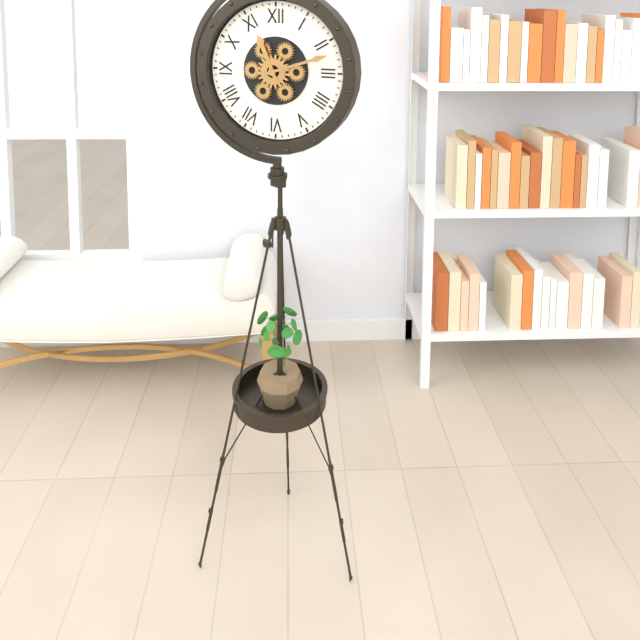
11:12
